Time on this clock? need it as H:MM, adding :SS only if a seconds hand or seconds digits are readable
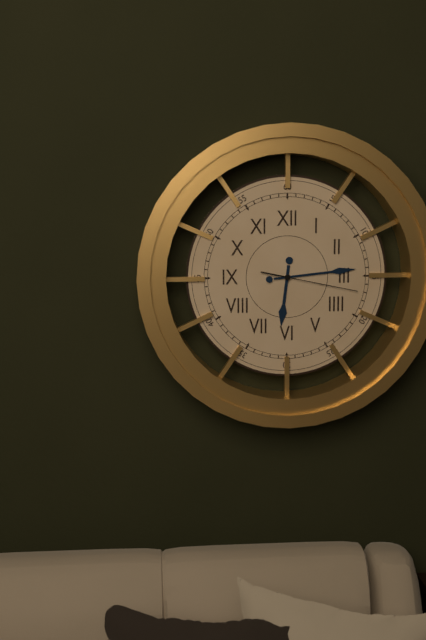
6:14:17
